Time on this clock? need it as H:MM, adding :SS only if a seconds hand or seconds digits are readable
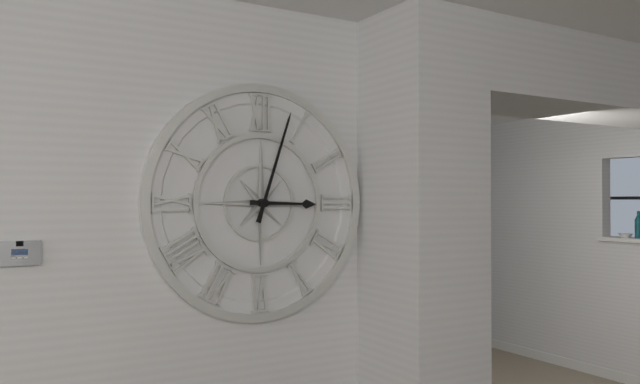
3:03
